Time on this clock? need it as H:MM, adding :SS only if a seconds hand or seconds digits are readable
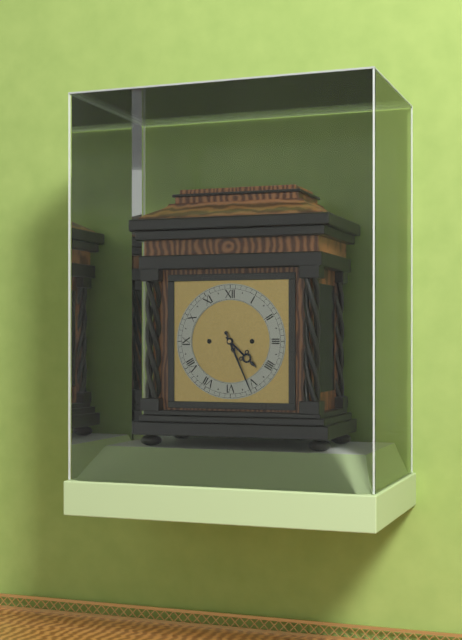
4:26
